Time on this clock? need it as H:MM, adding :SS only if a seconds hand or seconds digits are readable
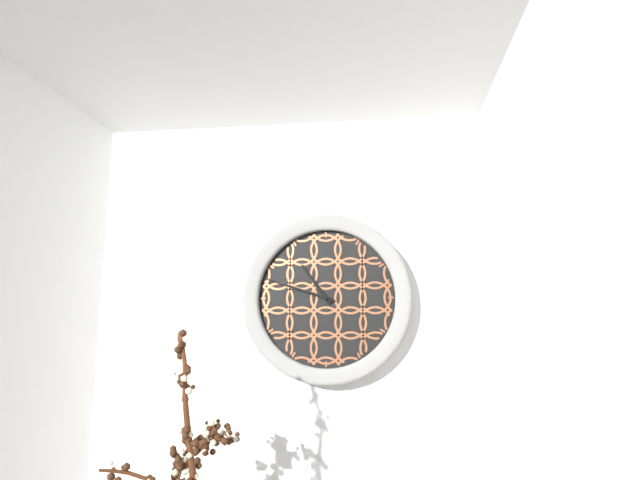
10:48
